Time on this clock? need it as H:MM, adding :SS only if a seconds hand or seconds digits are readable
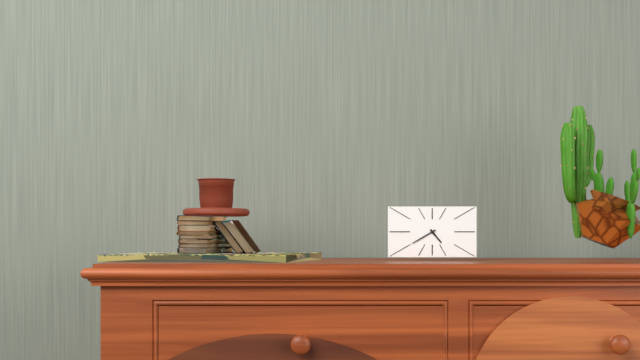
4:40
